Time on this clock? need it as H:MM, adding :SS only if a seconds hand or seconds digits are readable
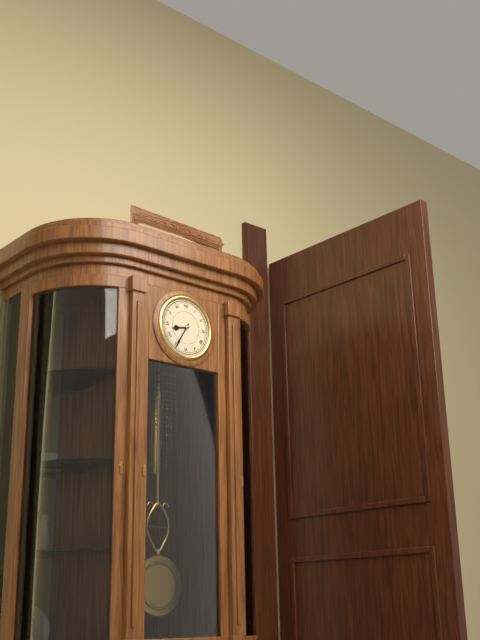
8:35
